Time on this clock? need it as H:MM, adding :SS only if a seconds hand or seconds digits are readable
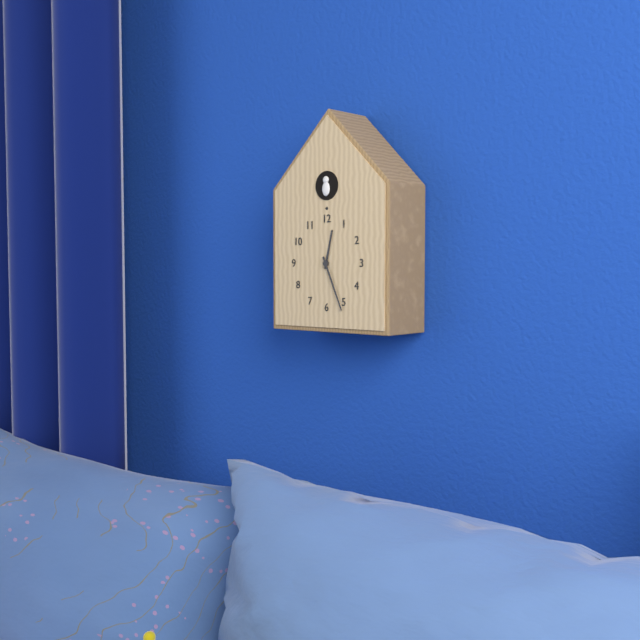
12:26
